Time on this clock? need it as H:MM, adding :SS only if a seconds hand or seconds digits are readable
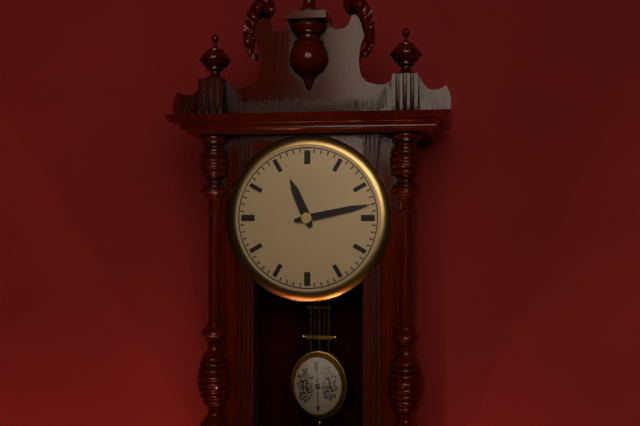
11:13
